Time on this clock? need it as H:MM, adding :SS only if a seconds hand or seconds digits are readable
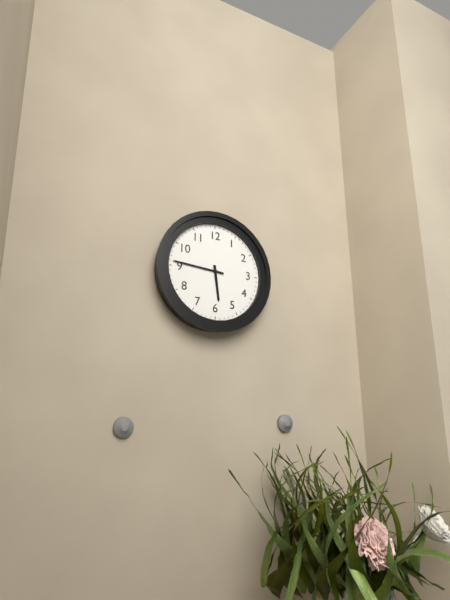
5:46
